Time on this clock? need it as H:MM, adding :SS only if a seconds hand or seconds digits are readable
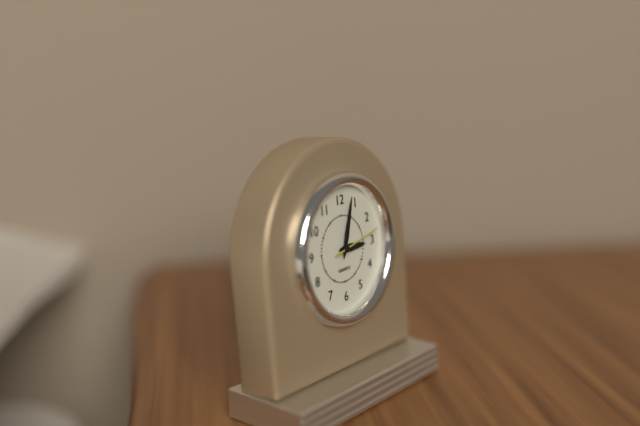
3:03
